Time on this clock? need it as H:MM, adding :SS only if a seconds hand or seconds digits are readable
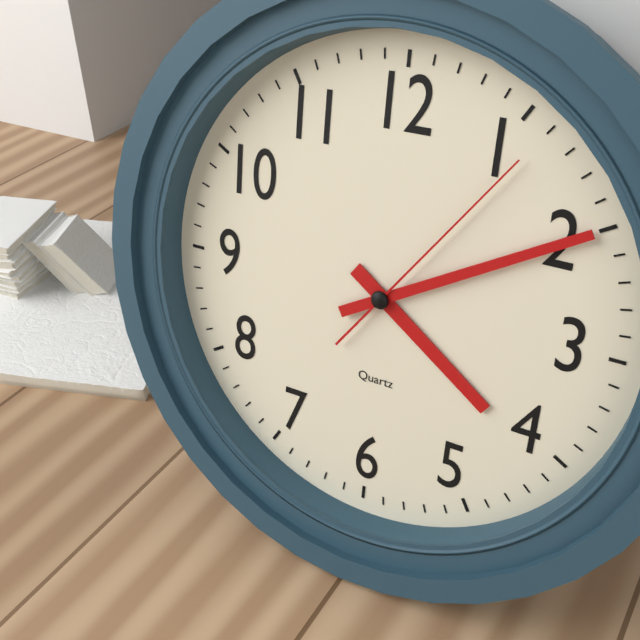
4:10:06
